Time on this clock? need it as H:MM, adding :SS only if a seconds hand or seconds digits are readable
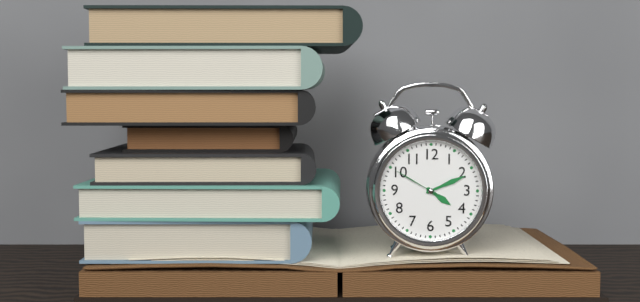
4:11:50
